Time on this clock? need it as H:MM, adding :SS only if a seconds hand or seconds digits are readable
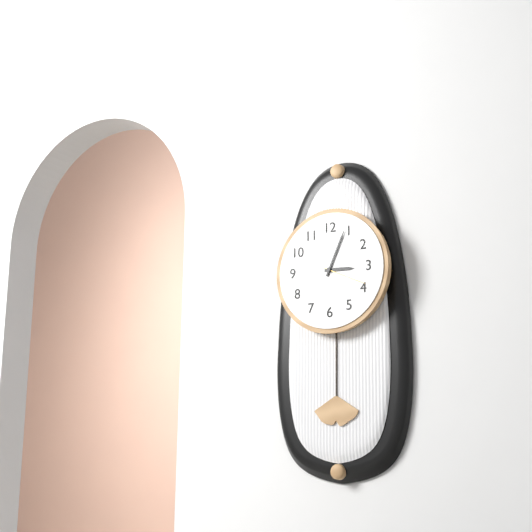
3:04:19
